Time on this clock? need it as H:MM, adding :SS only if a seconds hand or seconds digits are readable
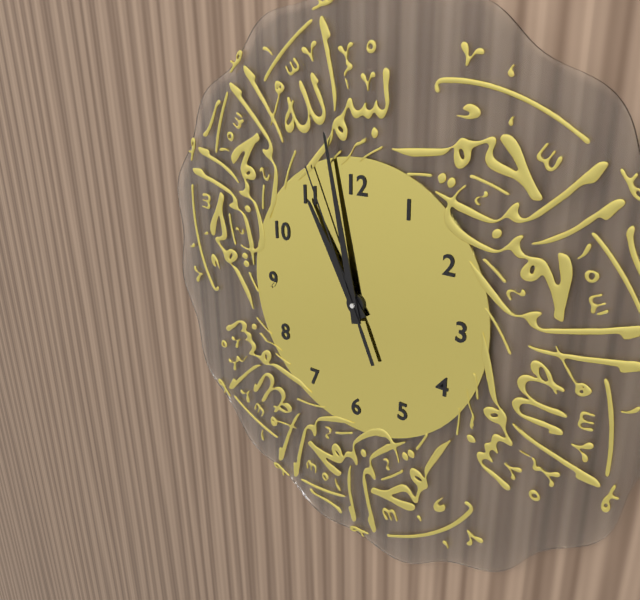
10:58:56
